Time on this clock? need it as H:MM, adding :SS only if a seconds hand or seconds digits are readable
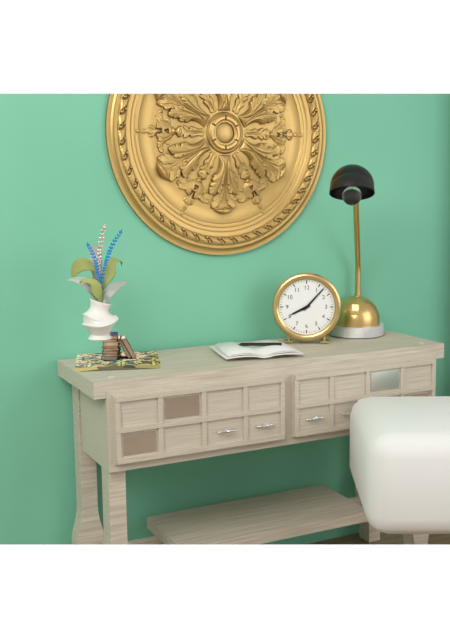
8:07
